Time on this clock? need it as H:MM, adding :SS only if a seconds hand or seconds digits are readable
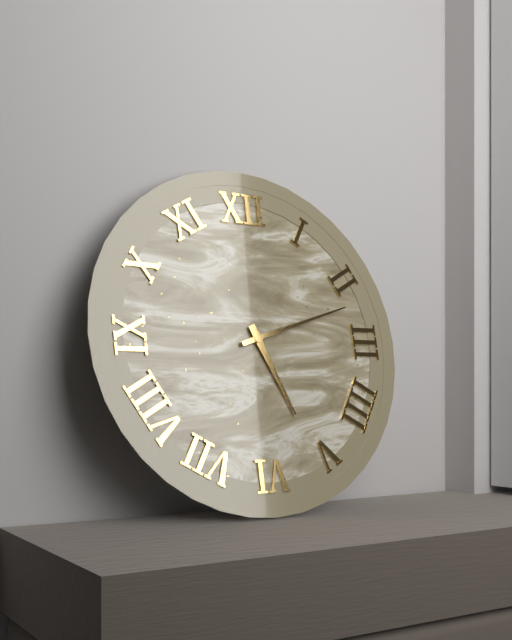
5:12
